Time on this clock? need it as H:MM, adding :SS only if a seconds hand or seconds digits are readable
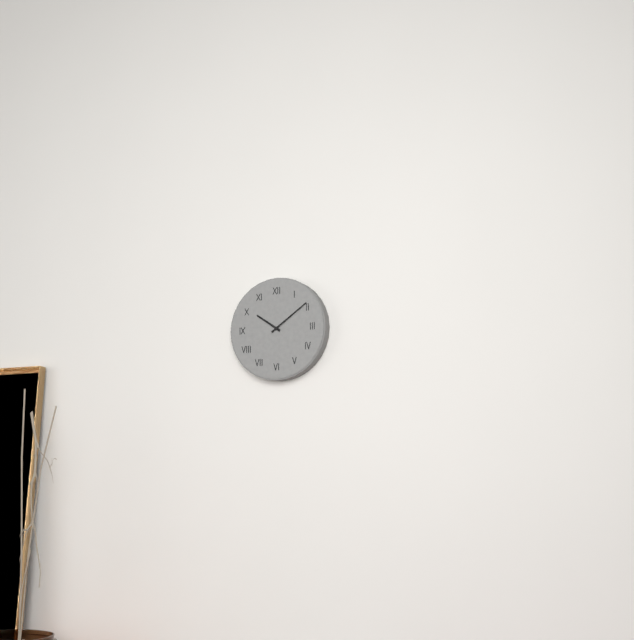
10:09
